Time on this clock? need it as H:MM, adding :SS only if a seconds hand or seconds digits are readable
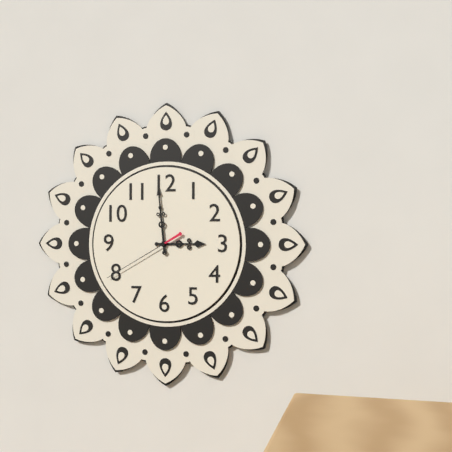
2:59:40
